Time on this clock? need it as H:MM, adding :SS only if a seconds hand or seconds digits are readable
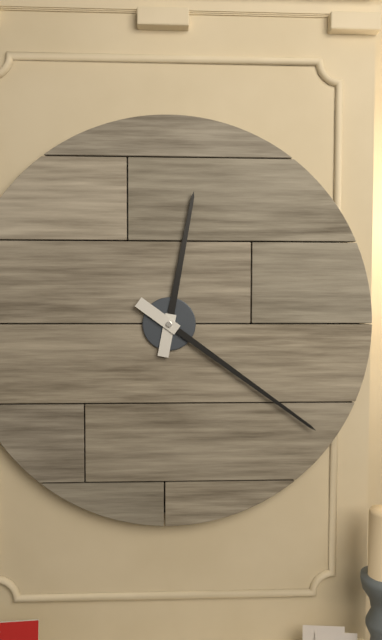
12:21
